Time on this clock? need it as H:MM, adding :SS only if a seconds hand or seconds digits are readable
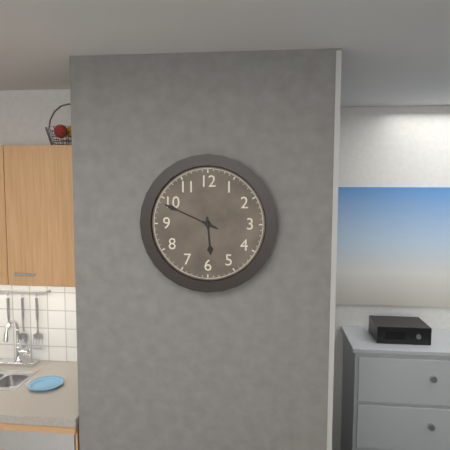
5:49
